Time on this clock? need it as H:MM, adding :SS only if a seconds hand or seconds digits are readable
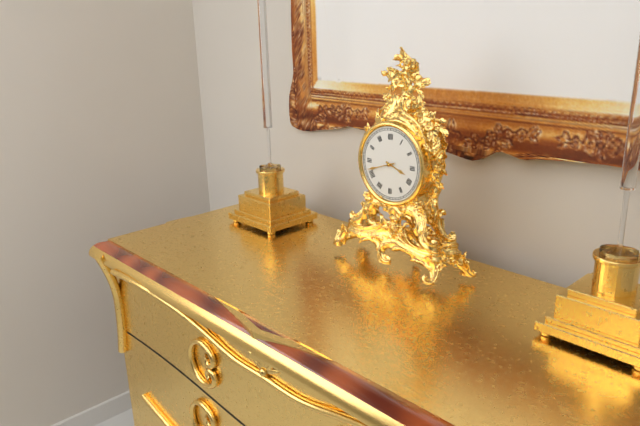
3:42
